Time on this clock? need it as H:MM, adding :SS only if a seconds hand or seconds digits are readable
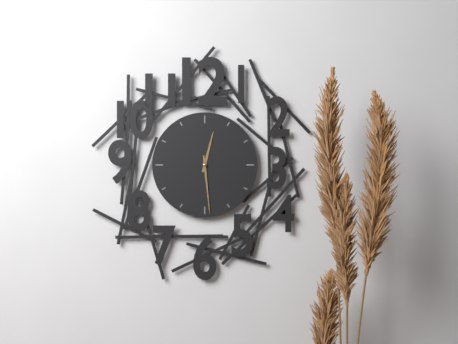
12:29
